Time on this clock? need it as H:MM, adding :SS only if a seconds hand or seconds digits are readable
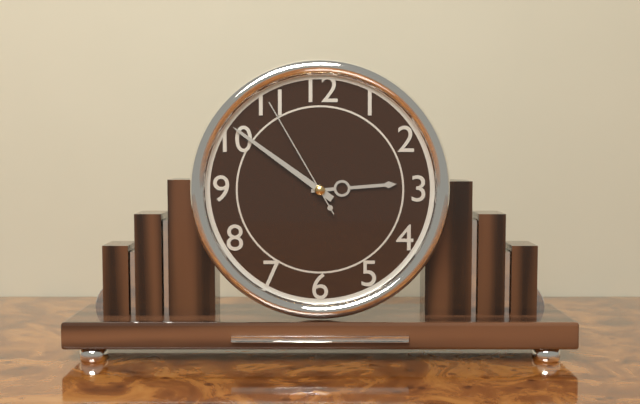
2:51:55
